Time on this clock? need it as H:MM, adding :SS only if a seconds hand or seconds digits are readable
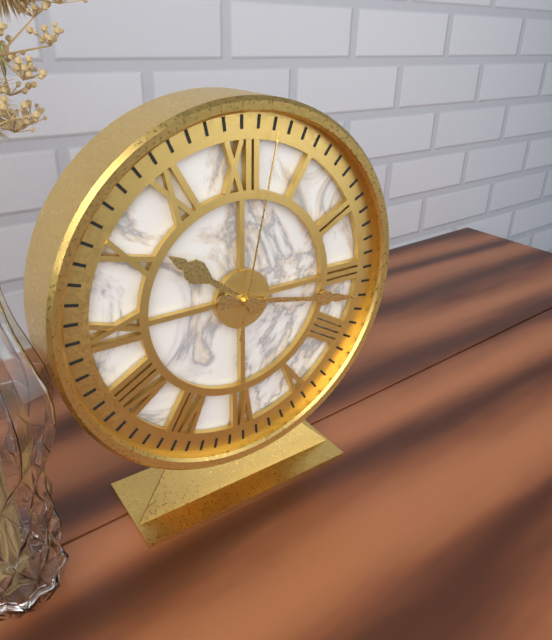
10:17:02
